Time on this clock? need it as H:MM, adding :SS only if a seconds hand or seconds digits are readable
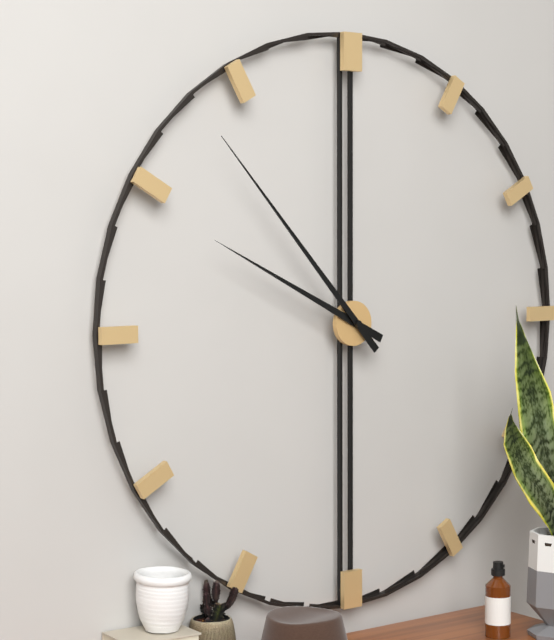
9:53
